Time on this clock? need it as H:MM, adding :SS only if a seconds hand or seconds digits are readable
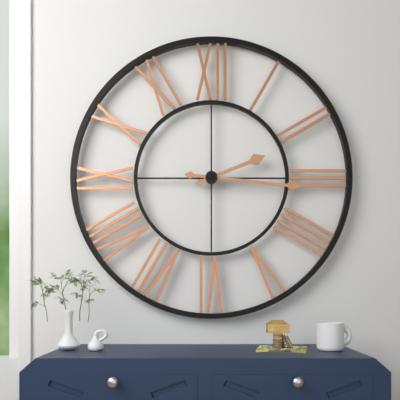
2:16
